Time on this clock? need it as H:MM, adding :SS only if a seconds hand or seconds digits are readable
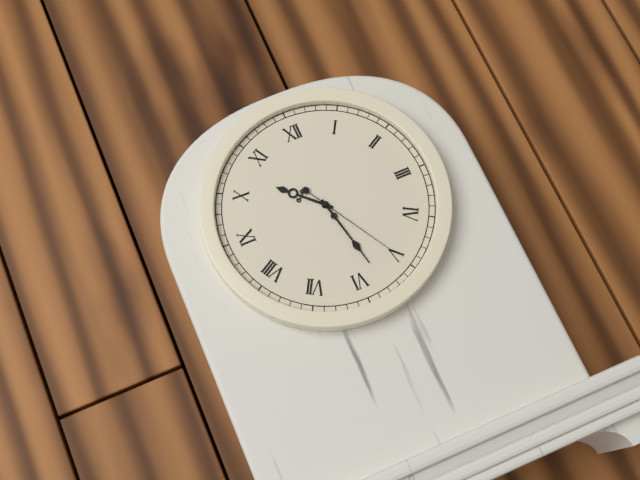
10:28:25
